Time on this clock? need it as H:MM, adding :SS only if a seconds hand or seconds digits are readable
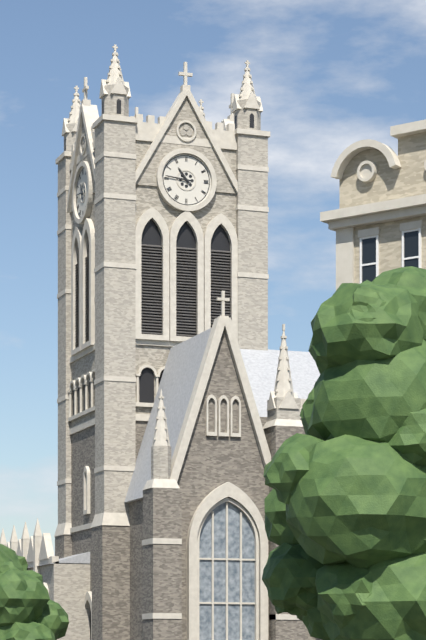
10:46
